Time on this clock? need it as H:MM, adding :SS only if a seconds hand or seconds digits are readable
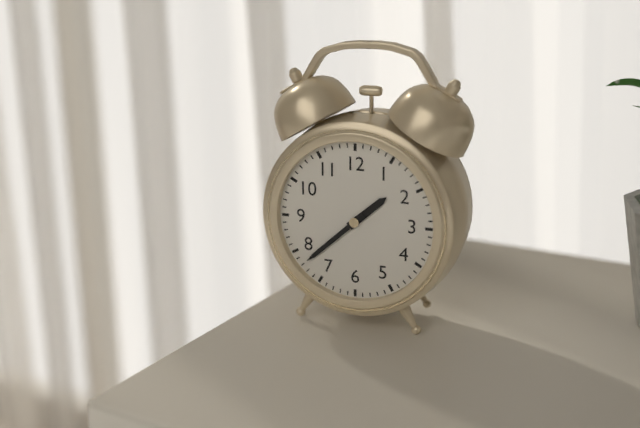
1:38
